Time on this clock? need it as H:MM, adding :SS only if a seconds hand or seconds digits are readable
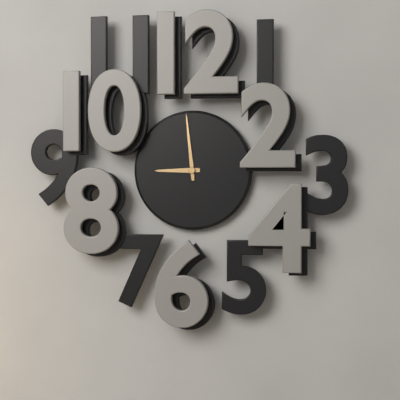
8:59
